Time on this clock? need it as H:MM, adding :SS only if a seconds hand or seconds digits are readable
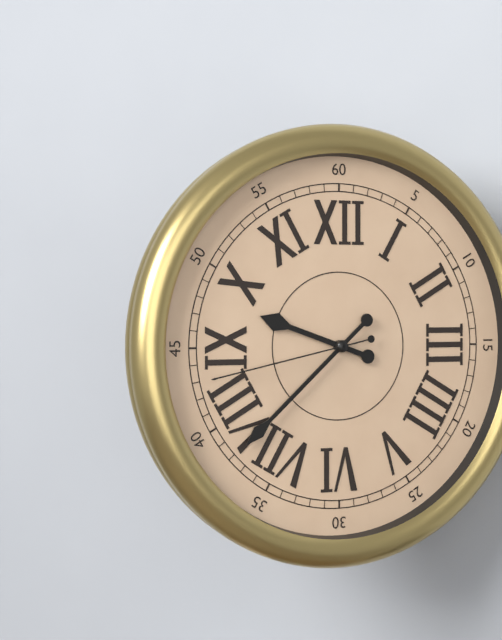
9:38:43
